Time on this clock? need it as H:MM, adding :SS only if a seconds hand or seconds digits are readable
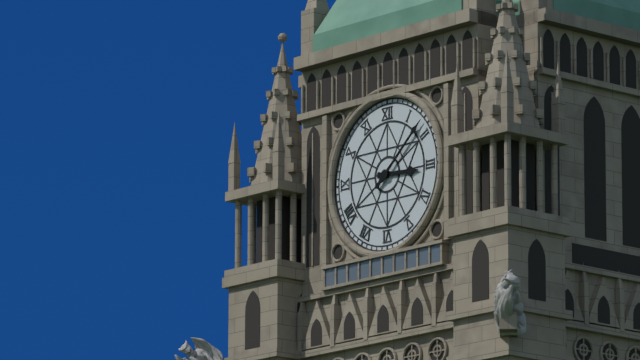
3:08
